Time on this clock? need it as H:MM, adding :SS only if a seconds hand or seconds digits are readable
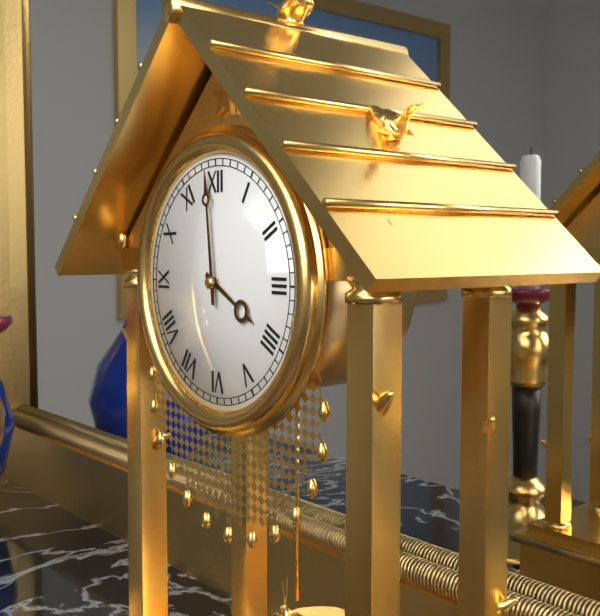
3:59
